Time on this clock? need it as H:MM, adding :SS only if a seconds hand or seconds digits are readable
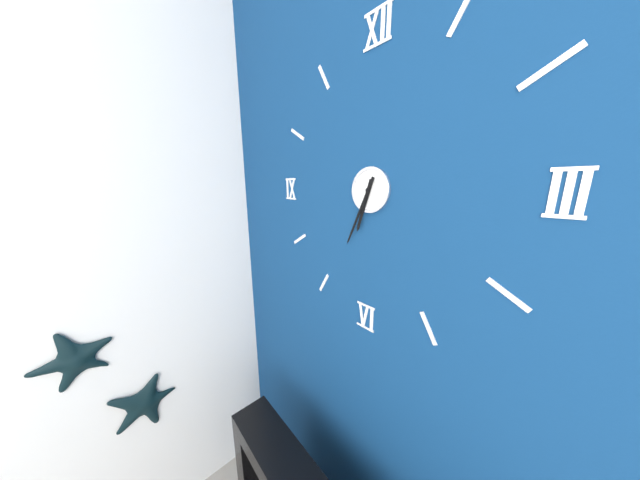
6:34
